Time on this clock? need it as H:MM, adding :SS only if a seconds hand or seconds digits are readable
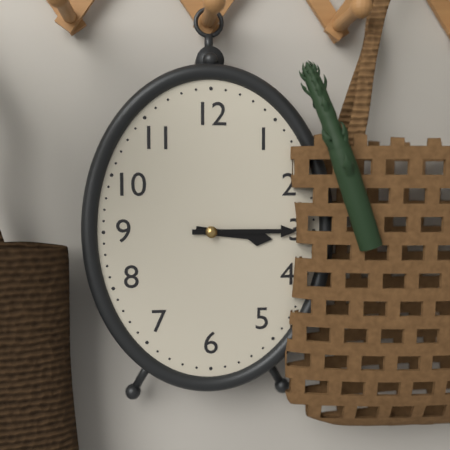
3:15
